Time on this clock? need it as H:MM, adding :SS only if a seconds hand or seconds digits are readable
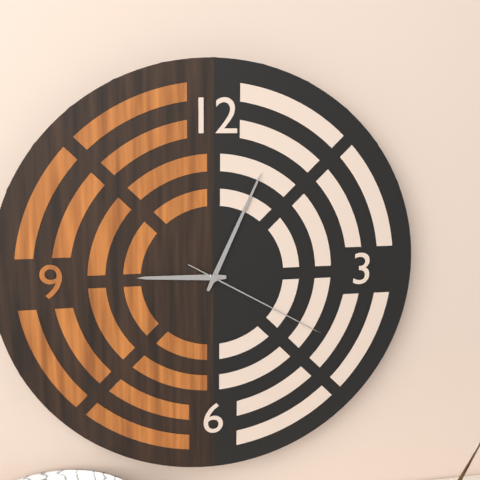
9:04:20
